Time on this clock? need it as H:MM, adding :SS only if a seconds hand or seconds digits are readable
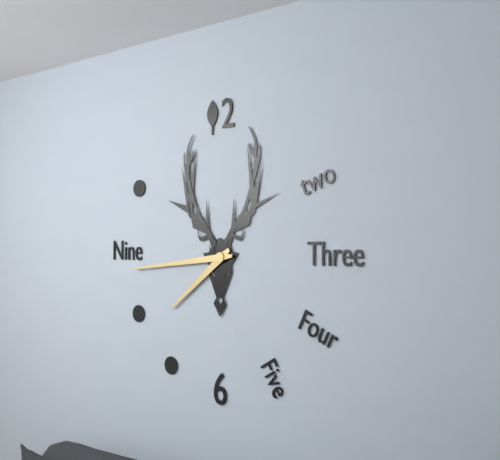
7:44
